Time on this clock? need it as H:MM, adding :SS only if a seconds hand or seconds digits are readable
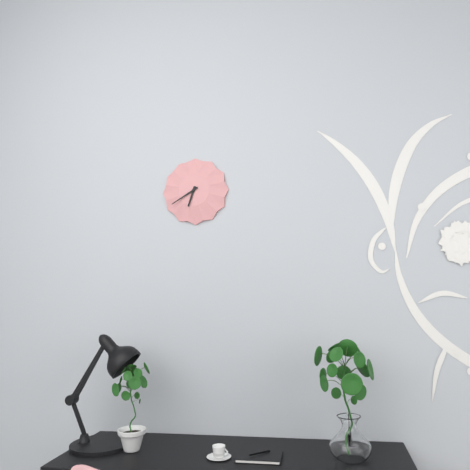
6:40
